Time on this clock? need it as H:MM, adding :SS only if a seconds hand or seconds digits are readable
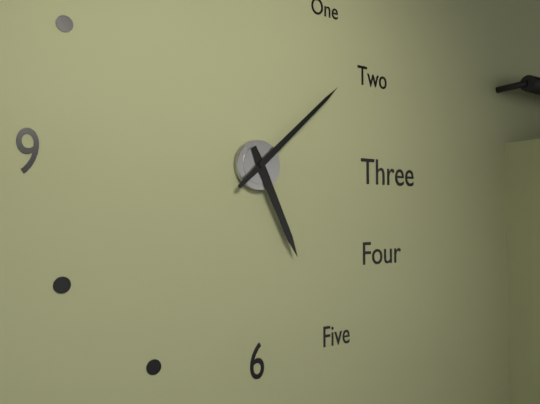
5:08
